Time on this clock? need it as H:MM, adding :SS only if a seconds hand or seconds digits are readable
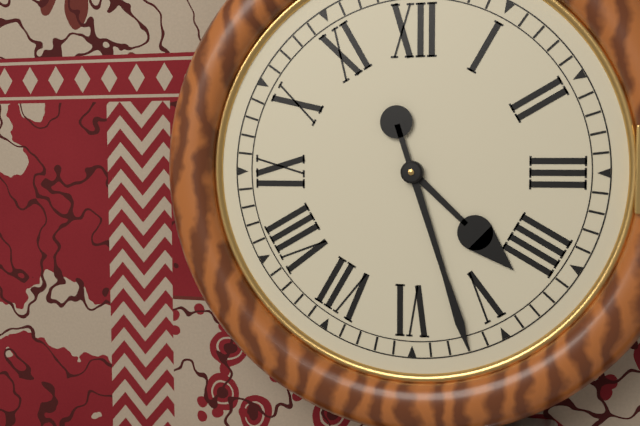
4:27
